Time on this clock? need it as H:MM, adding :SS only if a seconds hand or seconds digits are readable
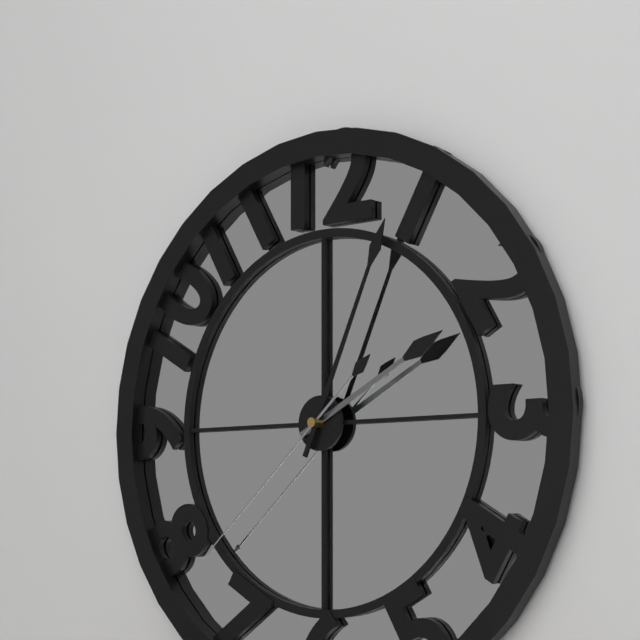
2:04:38
